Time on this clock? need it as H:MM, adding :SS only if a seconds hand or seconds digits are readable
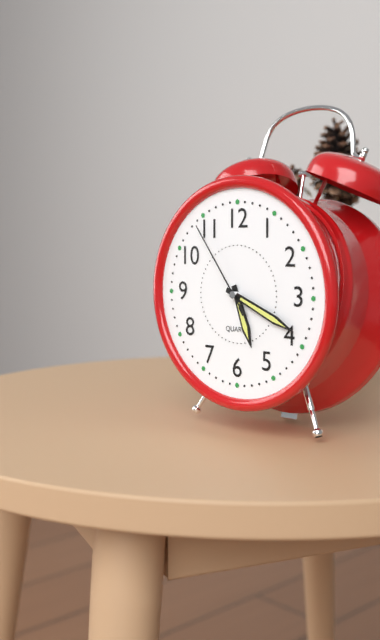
5:19:54
